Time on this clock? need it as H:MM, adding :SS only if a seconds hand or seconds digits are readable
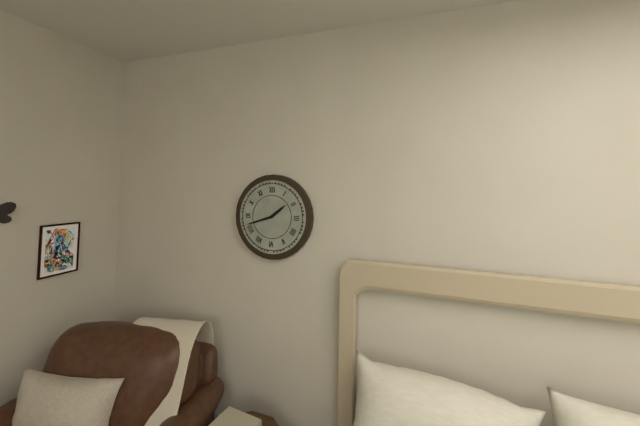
1:42
